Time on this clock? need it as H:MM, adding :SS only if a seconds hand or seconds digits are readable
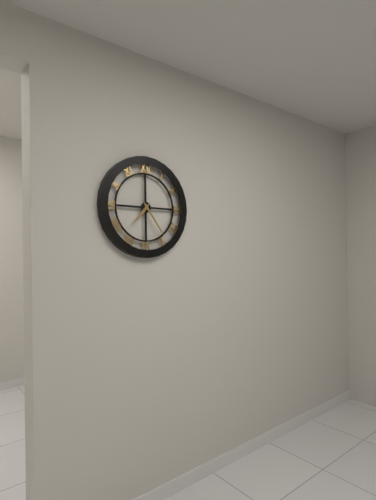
7:24
